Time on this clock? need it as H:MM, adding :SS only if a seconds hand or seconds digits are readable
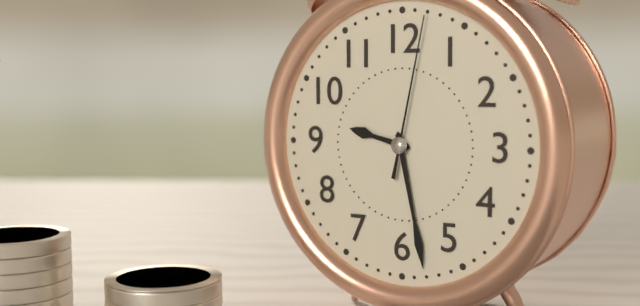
9:28:02
